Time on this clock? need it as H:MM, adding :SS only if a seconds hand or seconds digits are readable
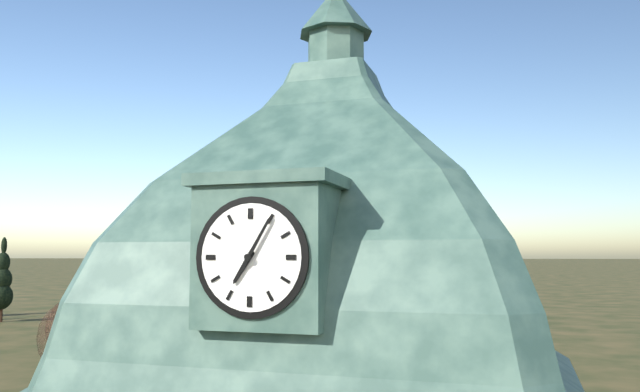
7:05
